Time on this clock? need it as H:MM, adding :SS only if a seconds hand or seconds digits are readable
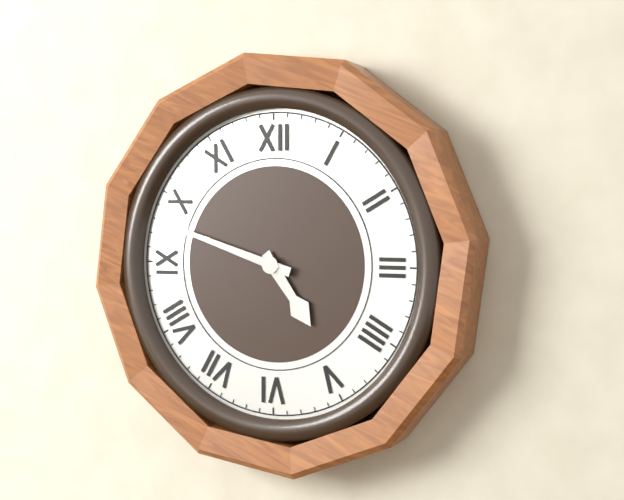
4:48
